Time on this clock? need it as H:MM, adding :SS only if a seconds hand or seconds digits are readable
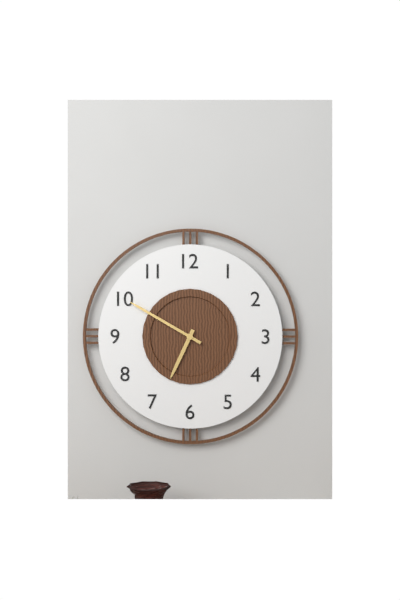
6:50
